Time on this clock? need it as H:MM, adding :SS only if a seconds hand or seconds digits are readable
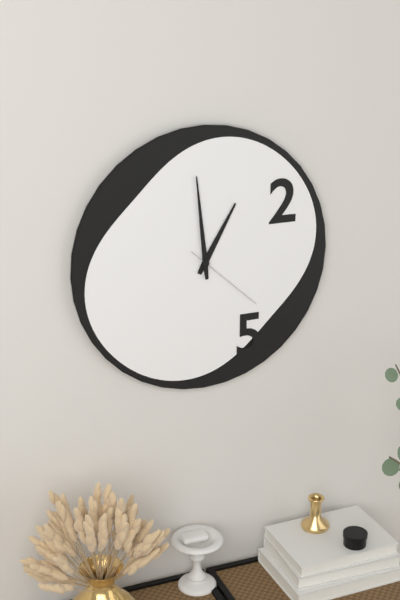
12:59:22
